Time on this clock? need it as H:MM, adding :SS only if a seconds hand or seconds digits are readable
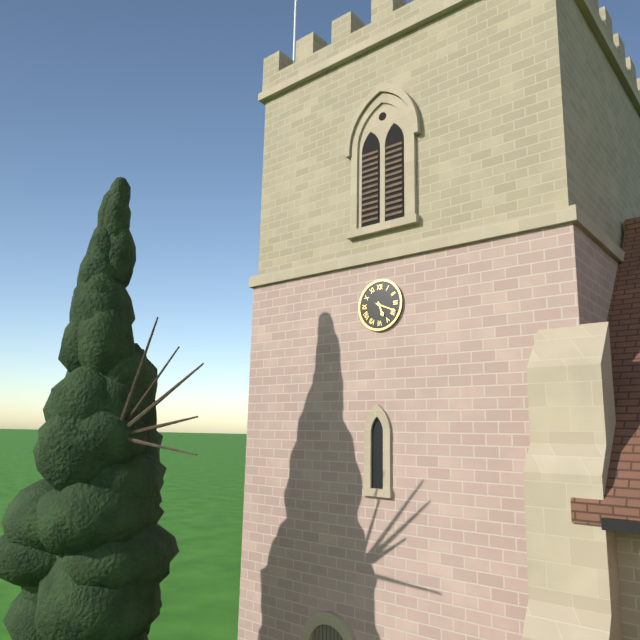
5:19
